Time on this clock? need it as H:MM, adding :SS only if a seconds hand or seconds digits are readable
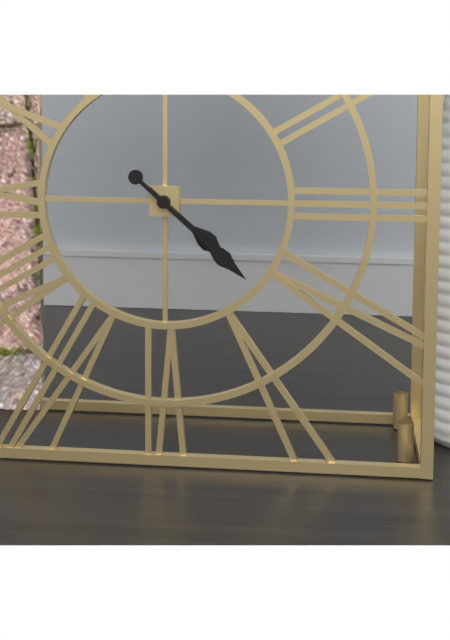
4:22
